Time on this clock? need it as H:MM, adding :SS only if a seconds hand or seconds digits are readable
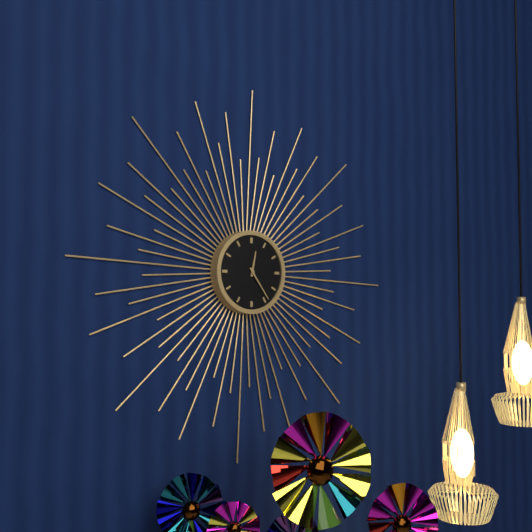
12:24
